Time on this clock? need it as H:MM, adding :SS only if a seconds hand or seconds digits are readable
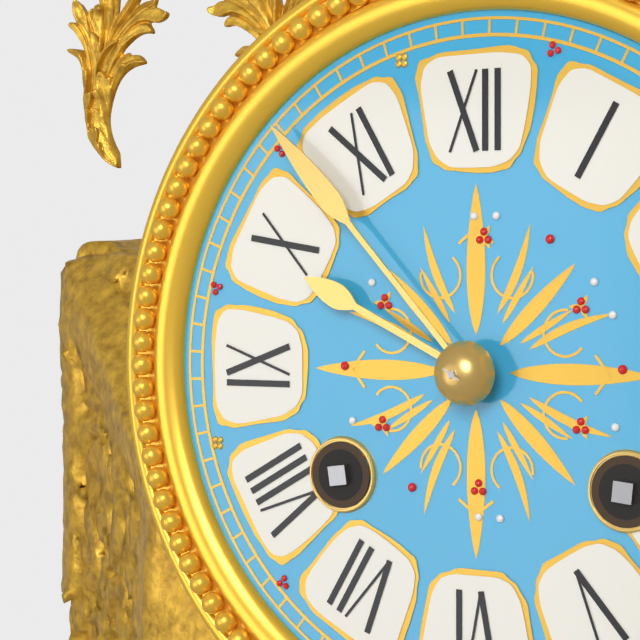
9:53
